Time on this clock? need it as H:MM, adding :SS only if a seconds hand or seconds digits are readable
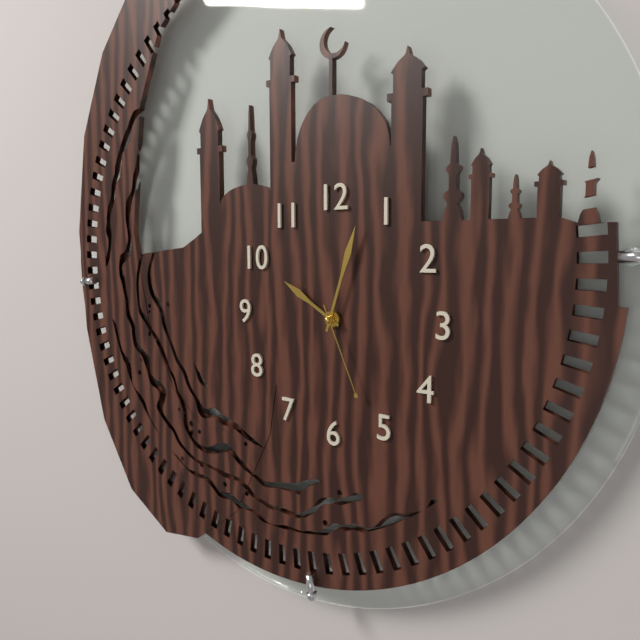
10:03:26
